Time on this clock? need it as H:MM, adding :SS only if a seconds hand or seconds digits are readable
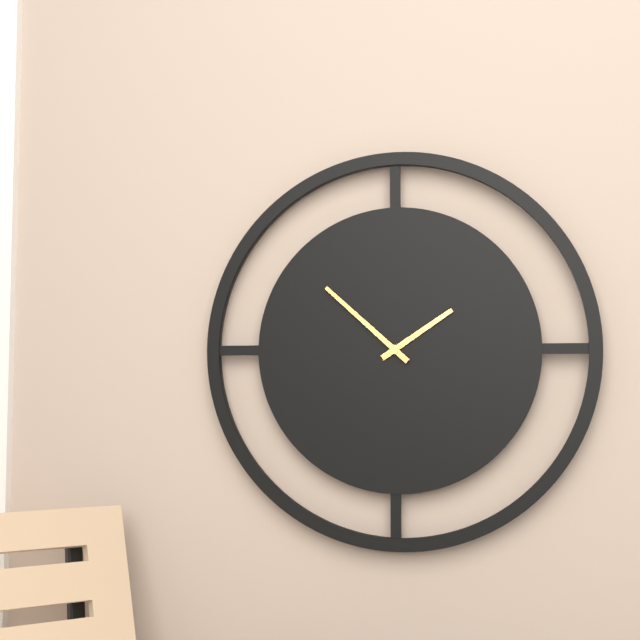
1:52
